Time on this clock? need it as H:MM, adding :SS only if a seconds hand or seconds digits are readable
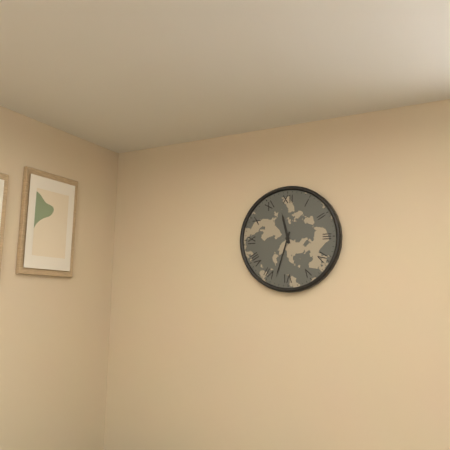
11:33
